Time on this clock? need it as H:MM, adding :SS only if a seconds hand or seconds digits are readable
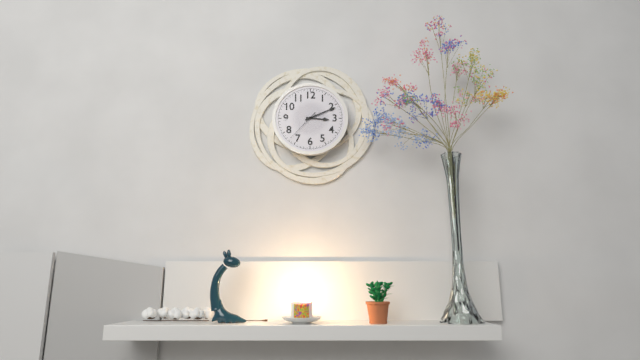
3:11
